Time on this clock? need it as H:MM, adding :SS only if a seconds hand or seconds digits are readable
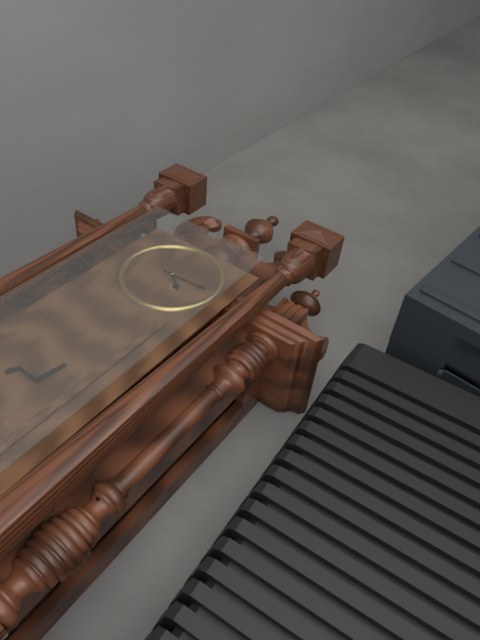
4:14
